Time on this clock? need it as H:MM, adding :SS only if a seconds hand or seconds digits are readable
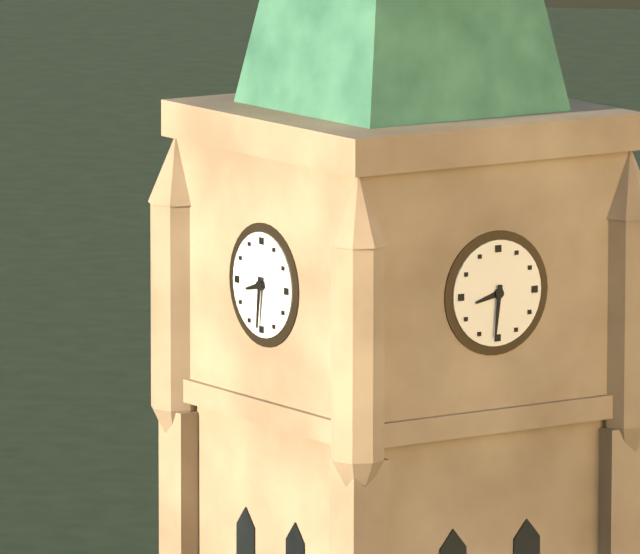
8:31
